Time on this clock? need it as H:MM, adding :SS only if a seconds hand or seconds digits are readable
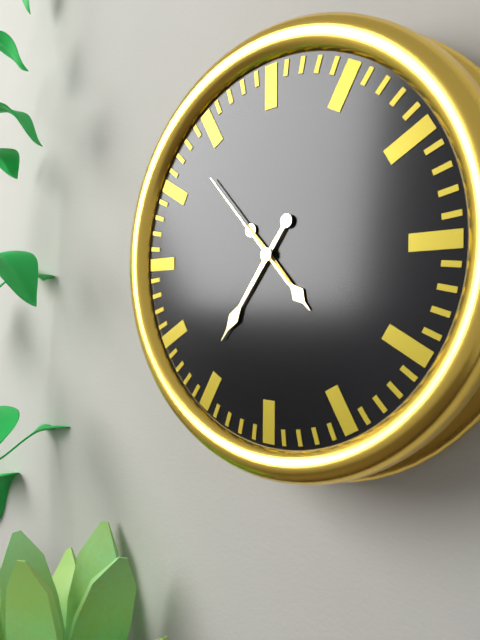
4:36:53
